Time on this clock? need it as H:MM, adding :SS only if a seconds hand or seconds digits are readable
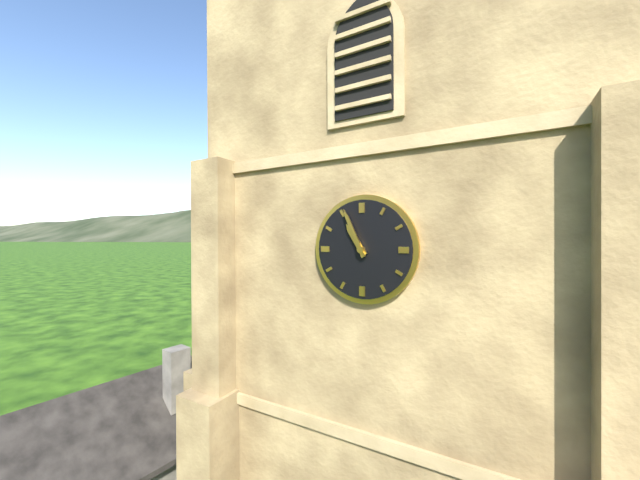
10:56
